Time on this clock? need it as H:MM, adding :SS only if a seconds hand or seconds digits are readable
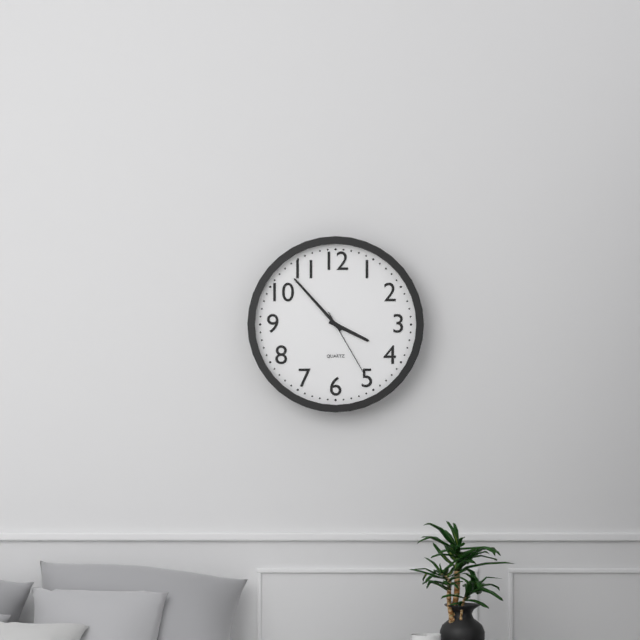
3:53:25
